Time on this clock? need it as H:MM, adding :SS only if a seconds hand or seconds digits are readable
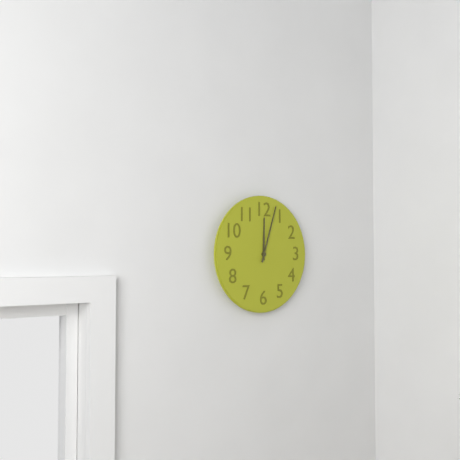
12:03
